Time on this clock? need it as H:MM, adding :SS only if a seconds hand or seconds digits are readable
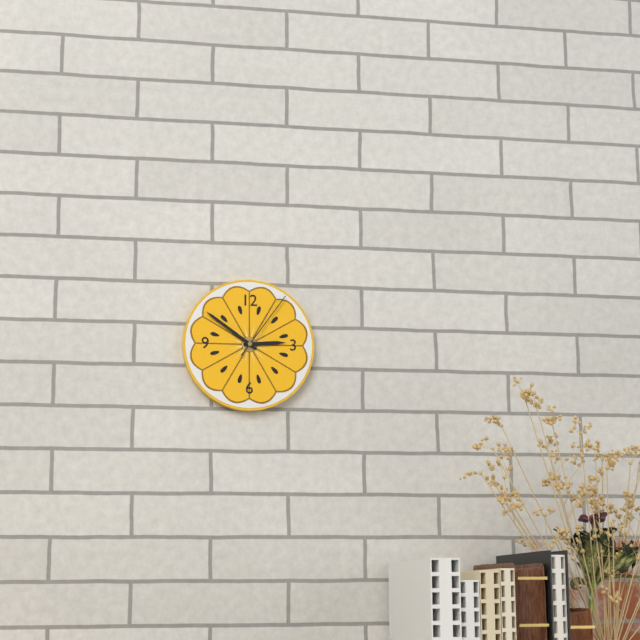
2:51:06
